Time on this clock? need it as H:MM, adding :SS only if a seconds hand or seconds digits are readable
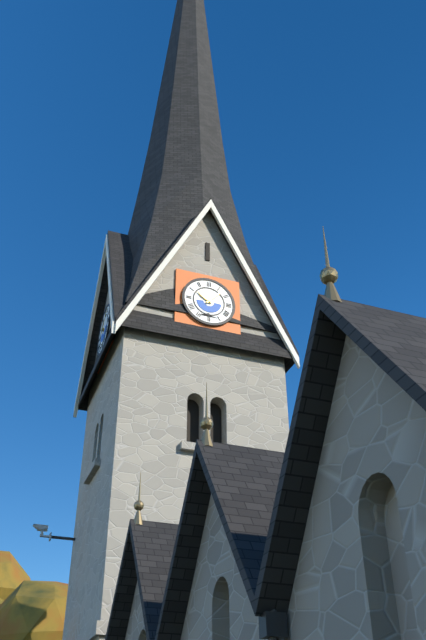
10:07
